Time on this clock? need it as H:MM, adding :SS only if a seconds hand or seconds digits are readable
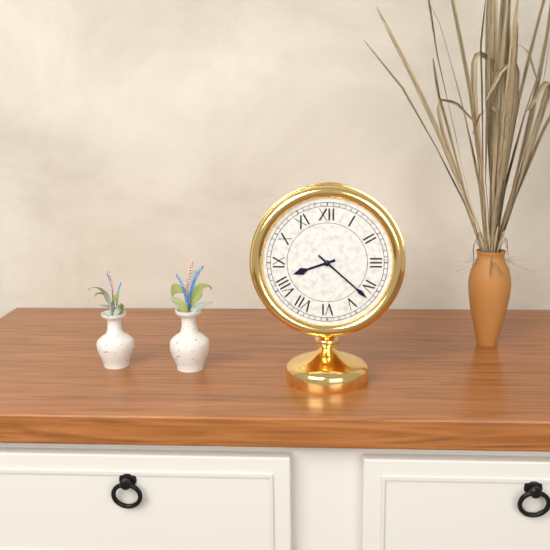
8:22
